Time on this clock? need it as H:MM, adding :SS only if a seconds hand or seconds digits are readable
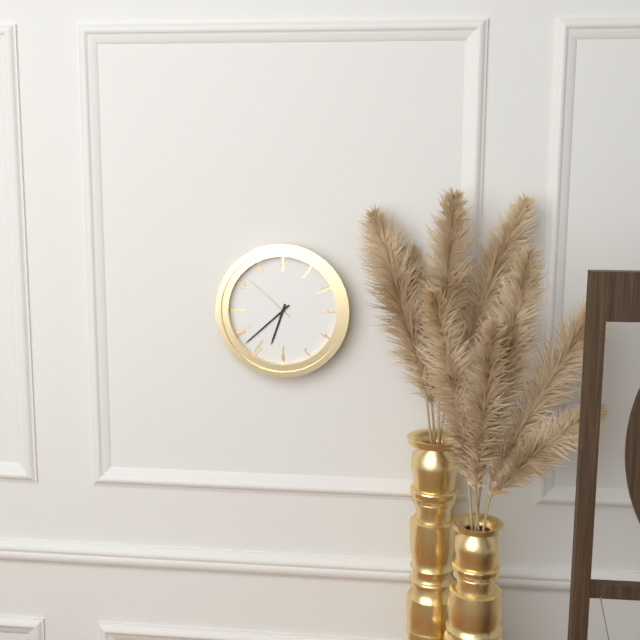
6:38:52
